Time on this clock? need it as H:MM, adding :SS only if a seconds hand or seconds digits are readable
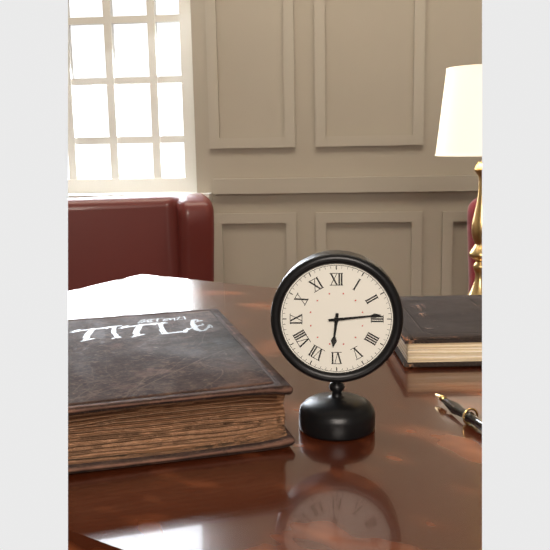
6:14
